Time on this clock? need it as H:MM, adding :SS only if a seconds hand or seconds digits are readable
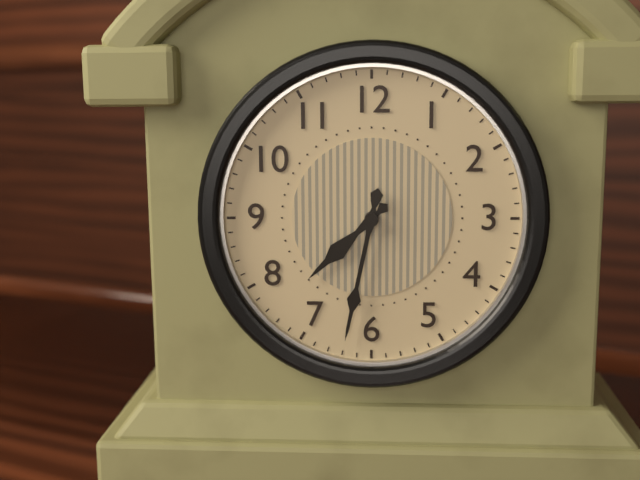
7:32
